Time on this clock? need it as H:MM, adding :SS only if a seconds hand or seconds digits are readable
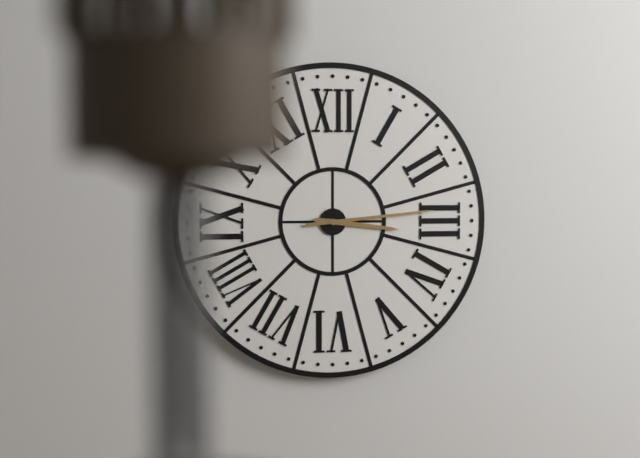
3:14
